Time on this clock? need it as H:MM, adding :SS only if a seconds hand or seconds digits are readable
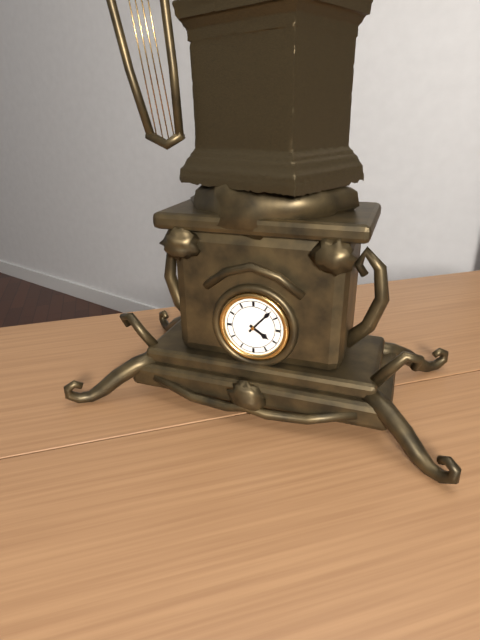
4:07
